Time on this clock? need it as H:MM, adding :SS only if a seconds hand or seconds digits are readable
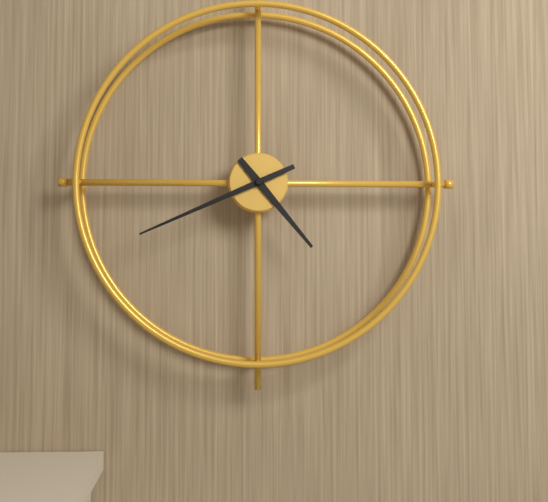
4:41
